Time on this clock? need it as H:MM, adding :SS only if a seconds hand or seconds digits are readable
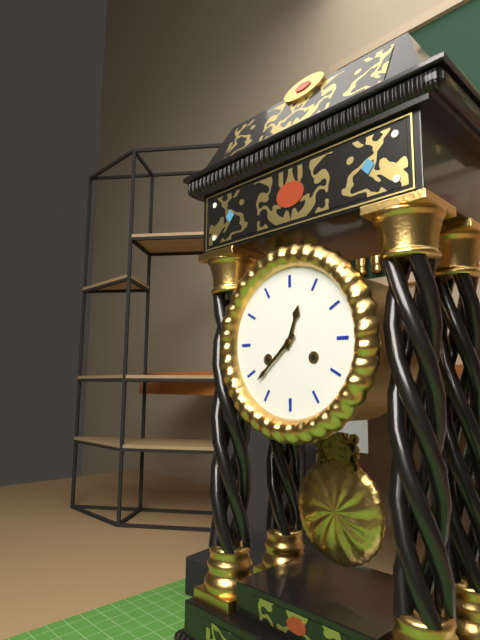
12:38
